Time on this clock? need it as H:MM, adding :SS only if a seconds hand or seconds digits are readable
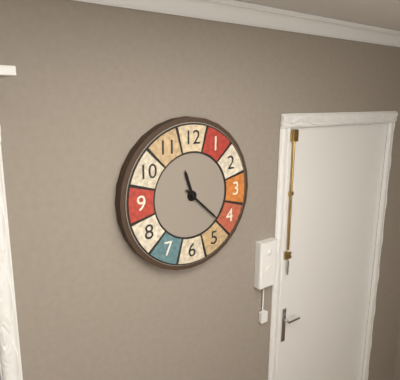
11:22
